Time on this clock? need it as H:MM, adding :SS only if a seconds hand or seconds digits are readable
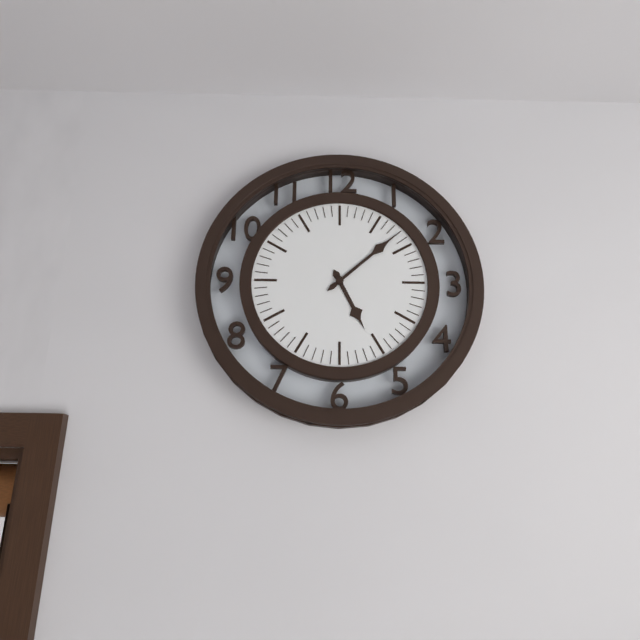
5:08
